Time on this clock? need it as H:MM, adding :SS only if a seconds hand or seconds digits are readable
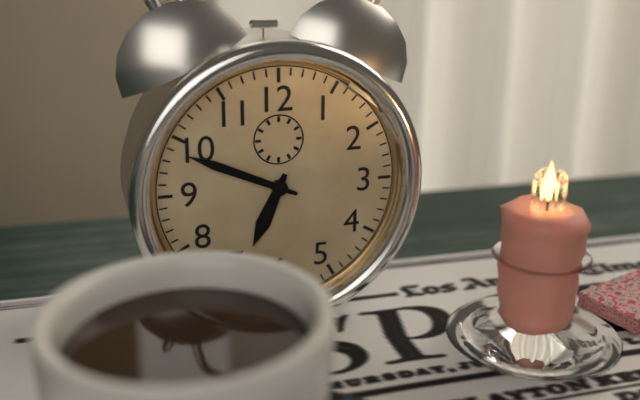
6:49
